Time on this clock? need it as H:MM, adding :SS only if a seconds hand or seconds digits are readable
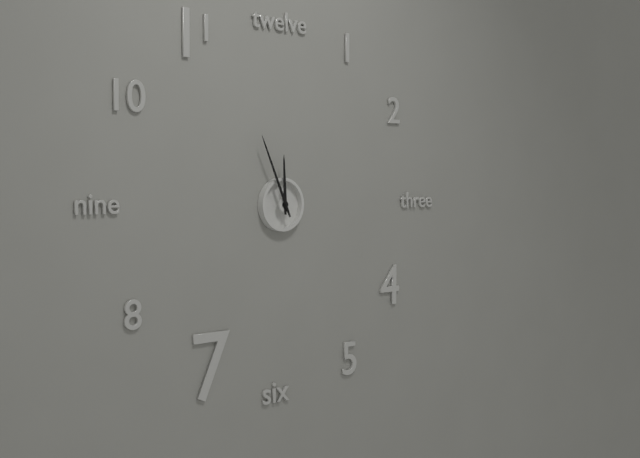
11:56
